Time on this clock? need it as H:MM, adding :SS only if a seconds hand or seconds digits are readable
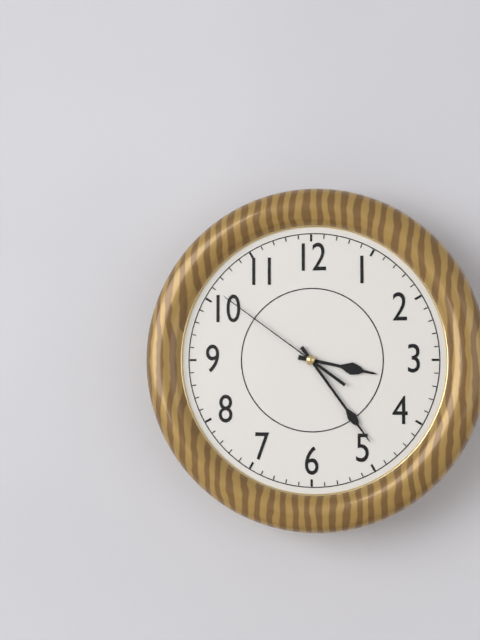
3:24:51
